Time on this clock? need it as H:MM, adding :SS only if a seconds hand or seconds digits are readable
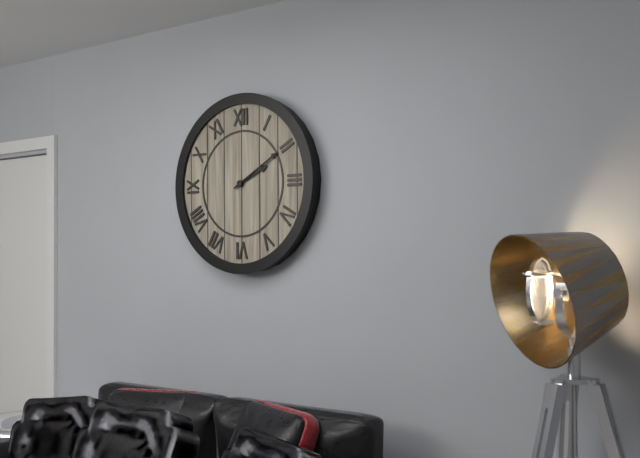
2:10
